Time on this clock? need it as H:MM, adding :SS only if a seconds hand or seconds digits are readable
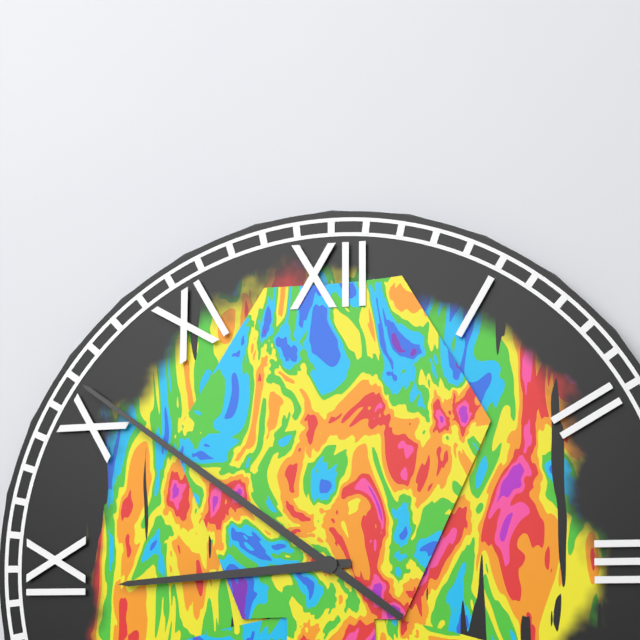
8:51
